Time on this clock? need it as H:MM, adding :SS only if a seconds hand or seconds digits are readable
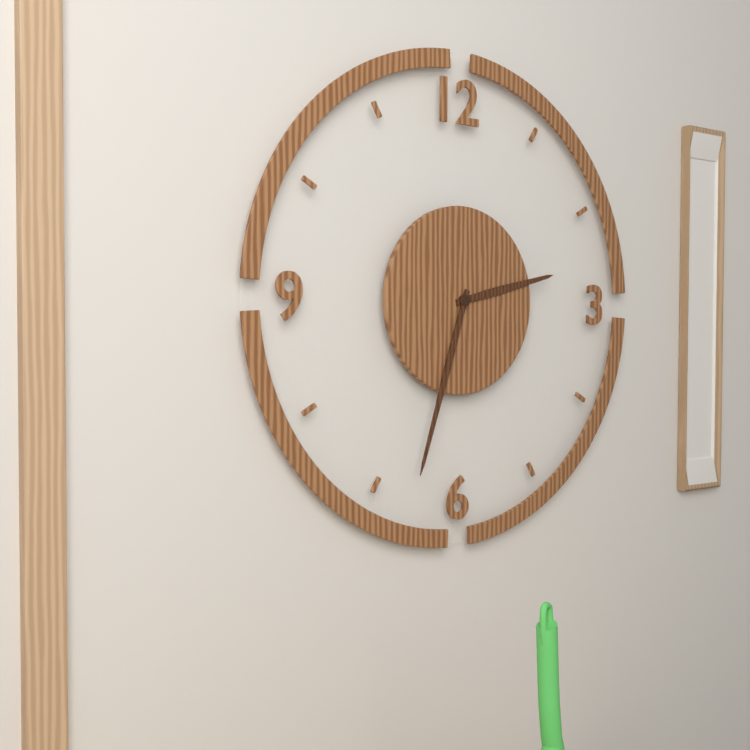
2:33
